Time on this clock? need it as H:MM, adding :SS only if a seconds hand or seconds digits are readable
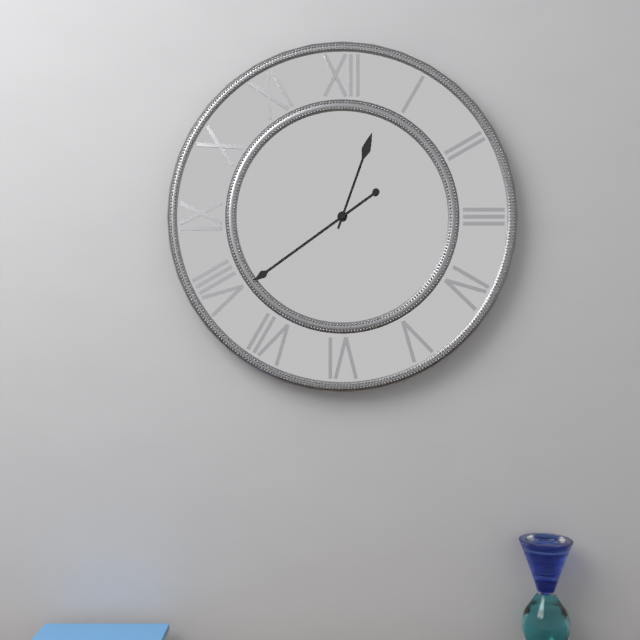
12:39
